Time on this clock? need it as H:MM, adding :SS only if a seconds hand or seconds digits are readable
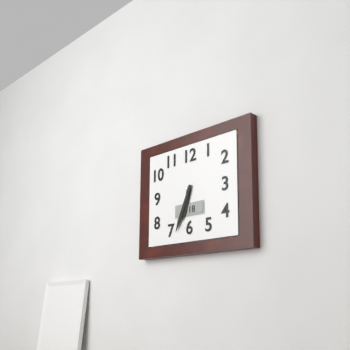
6:34
